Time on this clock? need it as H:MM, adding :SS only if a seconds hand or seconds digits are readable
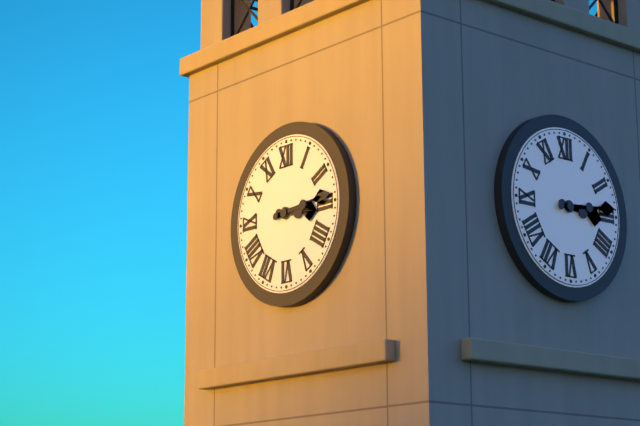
3:14
